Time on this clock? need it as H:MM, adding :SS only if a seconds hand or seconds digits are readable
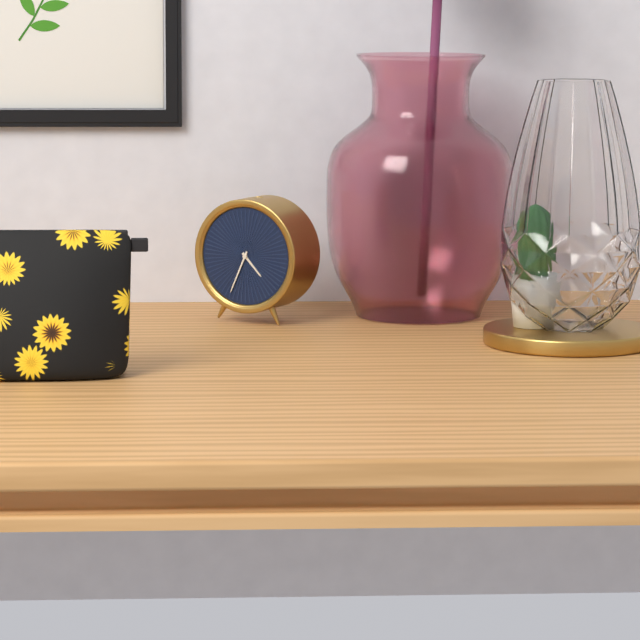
4:34
